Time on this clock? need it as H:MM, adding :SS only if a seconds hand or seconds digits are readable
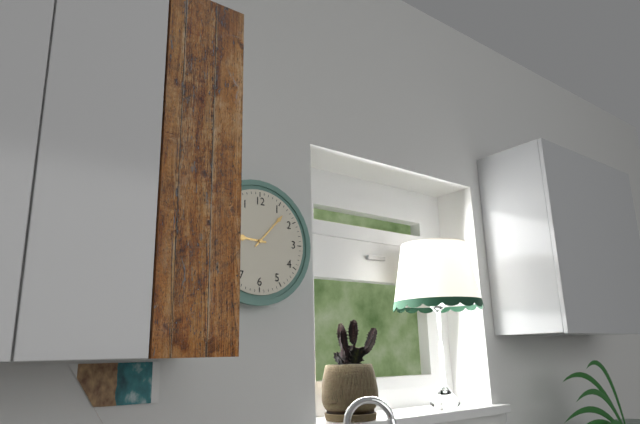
9:07
